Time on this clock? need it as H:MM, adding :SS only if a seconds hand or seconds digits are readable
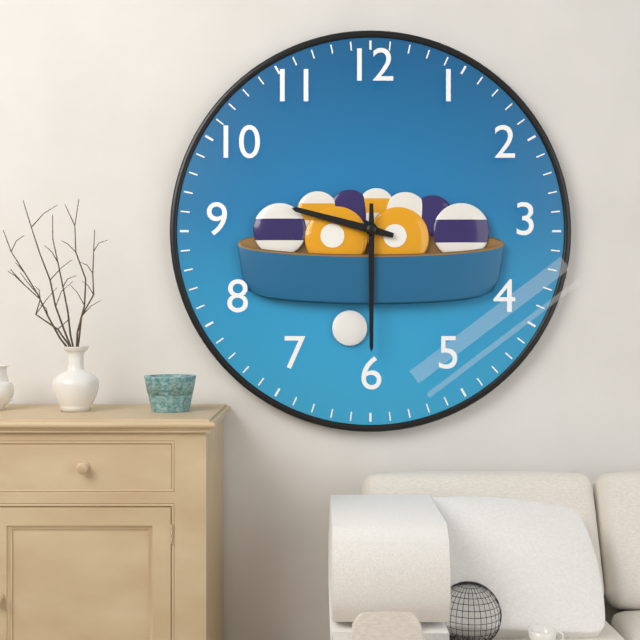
9:30
